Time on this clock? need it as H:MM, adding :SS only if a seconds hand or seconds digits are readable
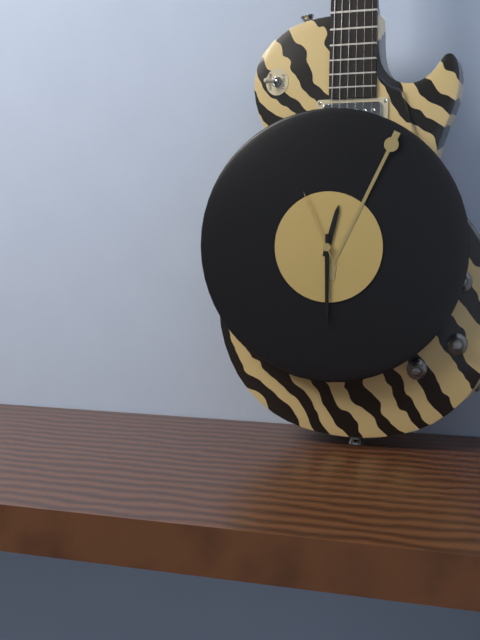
12:30:56
